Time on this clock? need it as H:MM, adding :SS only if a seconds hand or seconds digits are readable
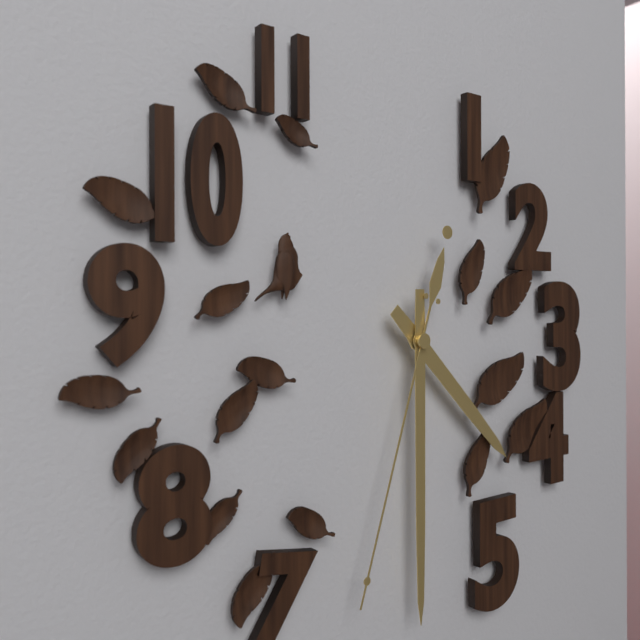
4:30:33
